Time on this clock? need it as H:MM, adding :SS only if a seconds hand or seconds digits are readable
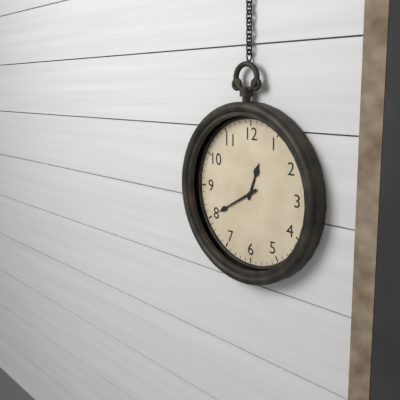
12:40
